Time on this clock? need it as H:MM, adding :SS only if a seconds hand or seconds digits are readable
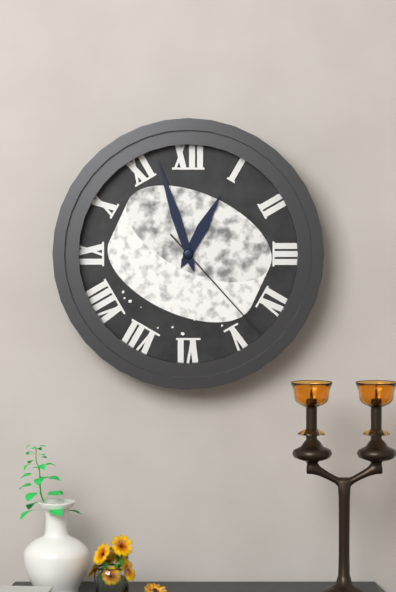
12:57:23
